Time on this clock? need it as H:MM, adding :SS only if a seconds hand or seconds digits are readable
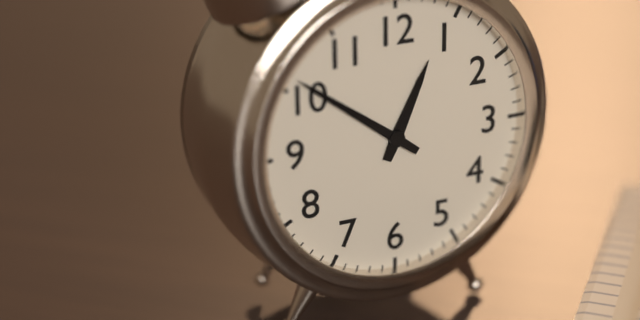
12:51
